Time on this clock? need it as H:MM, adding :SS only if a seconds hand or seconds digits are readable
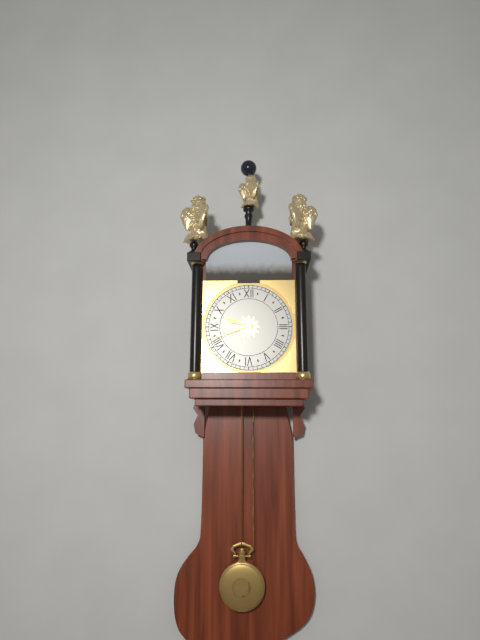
9:42
